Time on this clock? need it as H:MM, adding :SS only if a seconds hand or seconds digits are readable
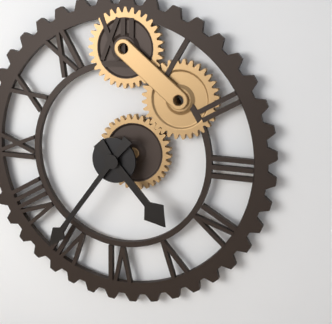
4:36
